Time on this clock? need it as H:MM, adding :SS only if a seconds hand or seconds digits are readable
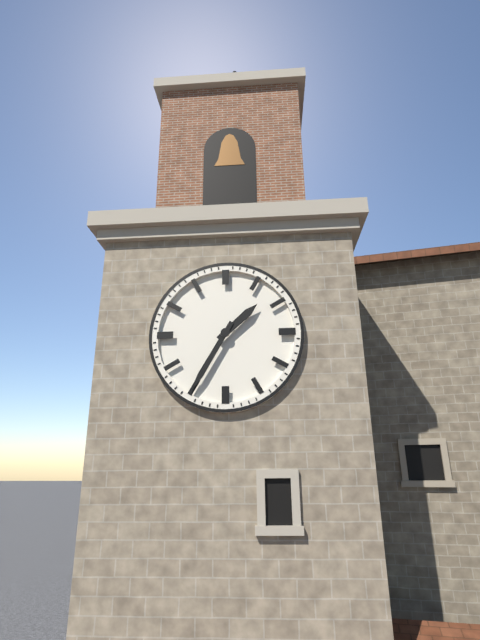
1:35
